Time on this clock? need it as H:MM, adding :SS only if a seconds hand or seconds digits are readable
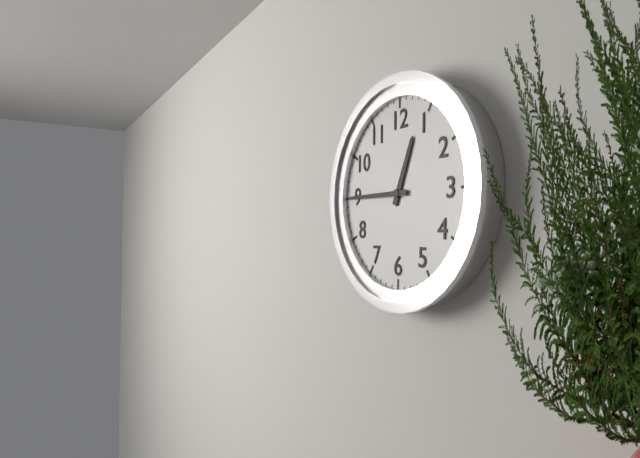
12:45
